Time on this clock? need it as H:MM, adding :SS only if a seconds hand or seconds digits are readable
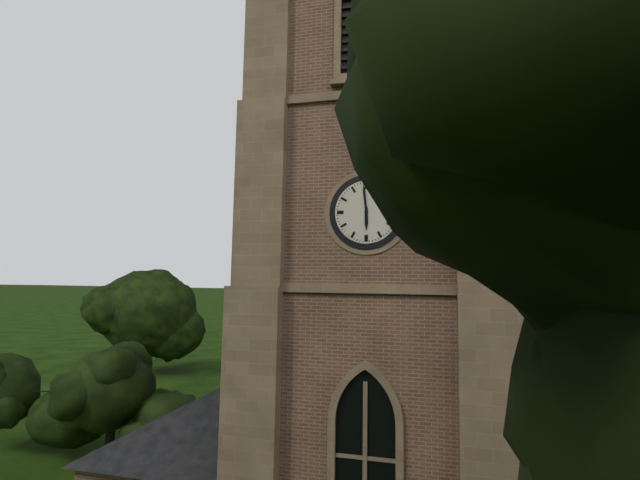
5:59
